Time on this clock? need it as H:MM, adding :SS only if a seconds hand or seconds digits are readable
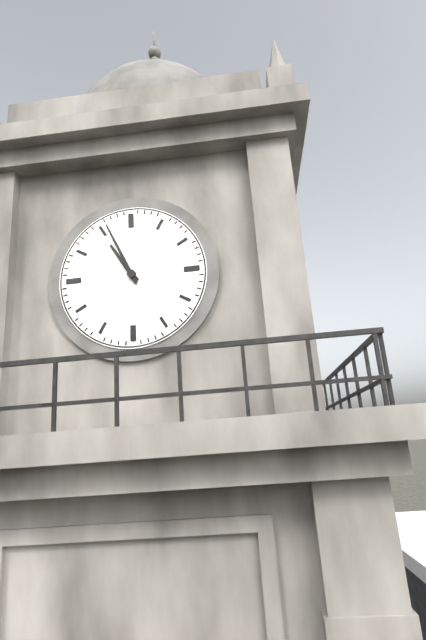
10:56
